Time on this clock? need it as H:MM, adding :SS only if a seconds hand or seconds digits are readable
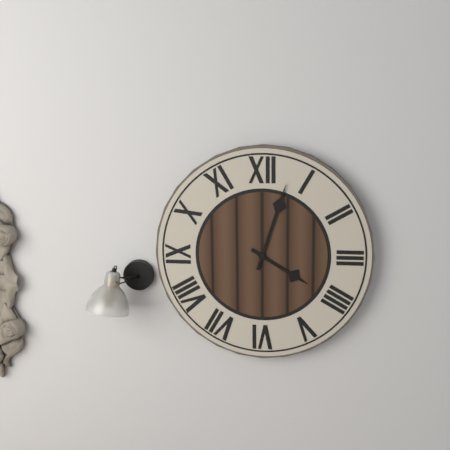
4:03
